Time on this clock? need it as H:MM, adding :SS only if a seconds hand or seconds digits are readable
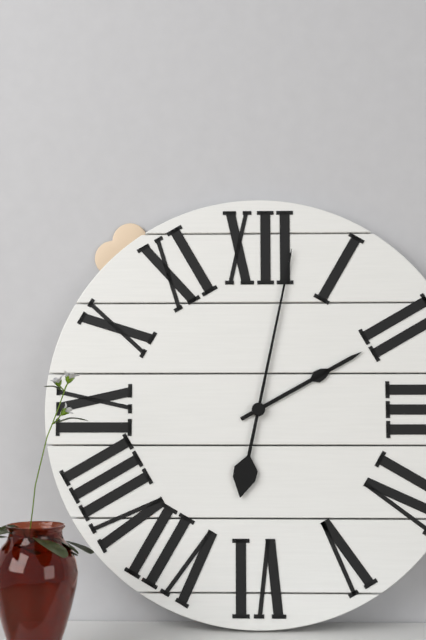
2:02
